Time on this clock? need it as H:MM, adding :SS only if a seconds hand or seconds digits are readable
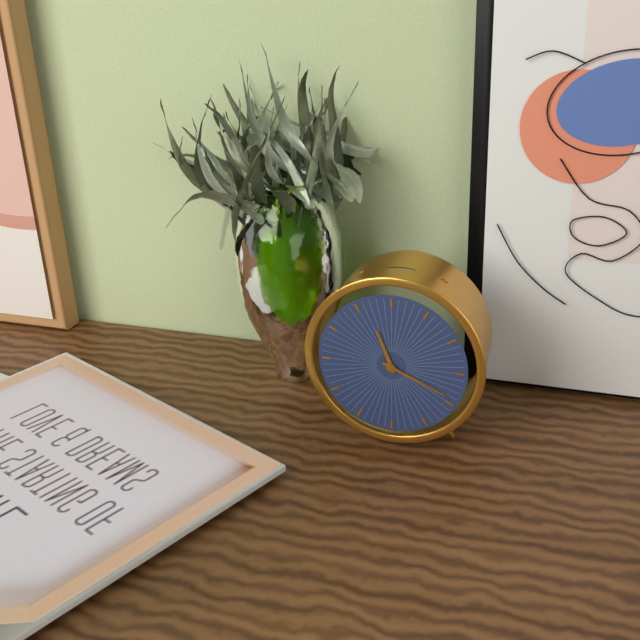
11:19
